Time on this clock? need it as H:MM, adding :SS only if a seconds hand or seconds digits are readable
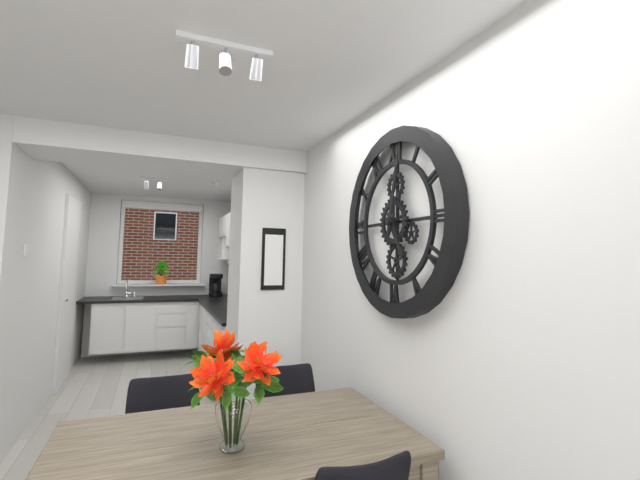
5:02
